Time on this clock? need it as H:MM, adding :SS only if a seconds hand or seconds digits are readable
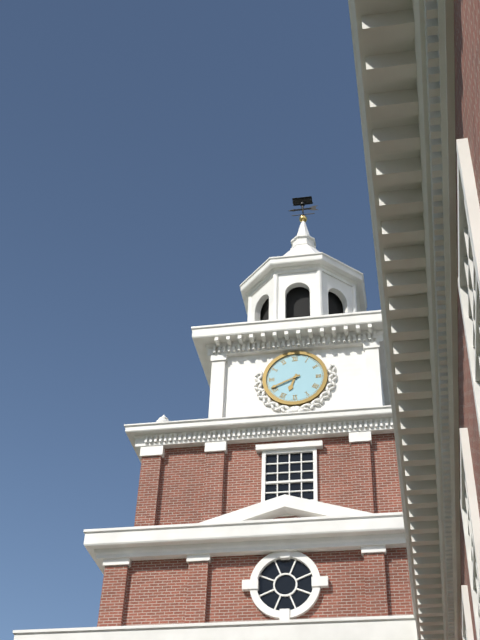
6:41
